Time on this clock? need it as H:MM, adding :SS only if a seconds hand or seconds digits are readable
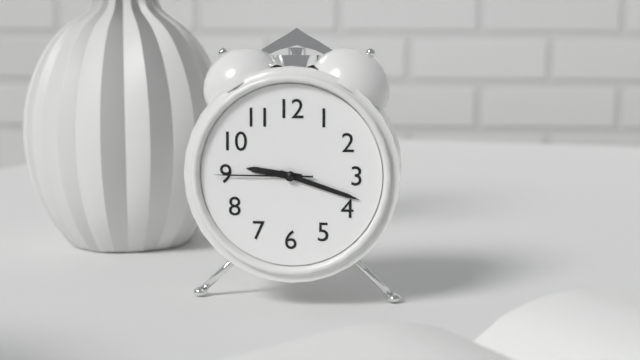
9:18:45
